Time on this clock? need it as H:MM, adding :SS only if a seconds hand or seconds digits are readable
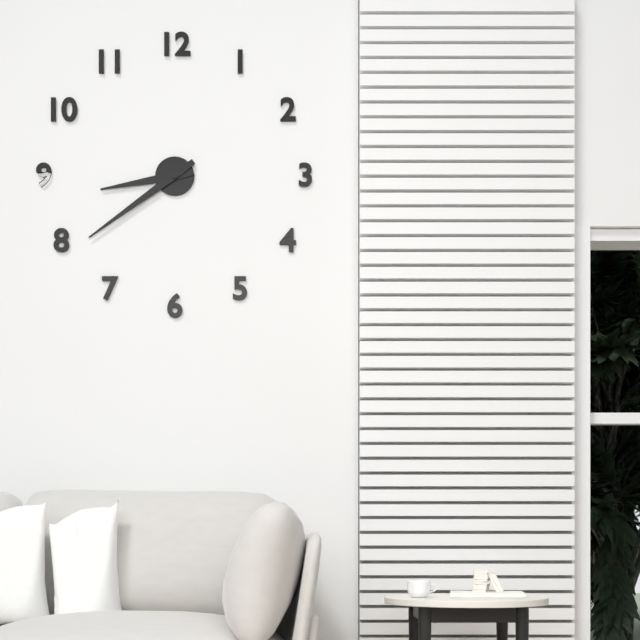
8:39
